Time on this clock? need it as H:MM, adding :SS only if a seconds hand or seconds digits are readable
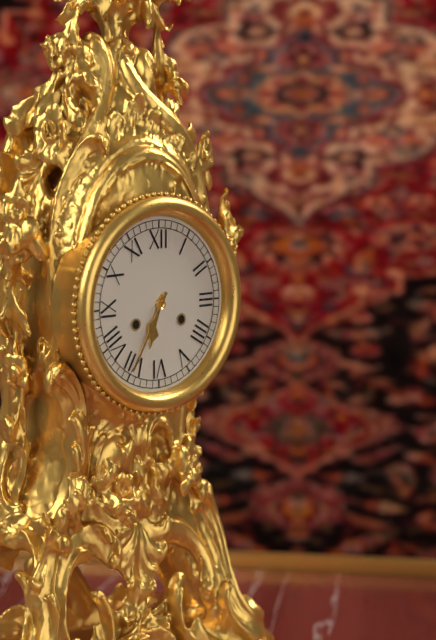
6:35
